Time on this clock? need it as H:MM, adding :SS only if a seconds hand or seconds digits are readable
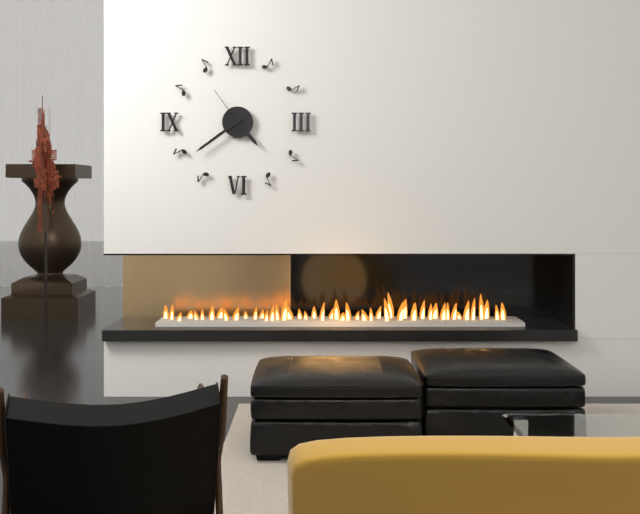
4:39:54
